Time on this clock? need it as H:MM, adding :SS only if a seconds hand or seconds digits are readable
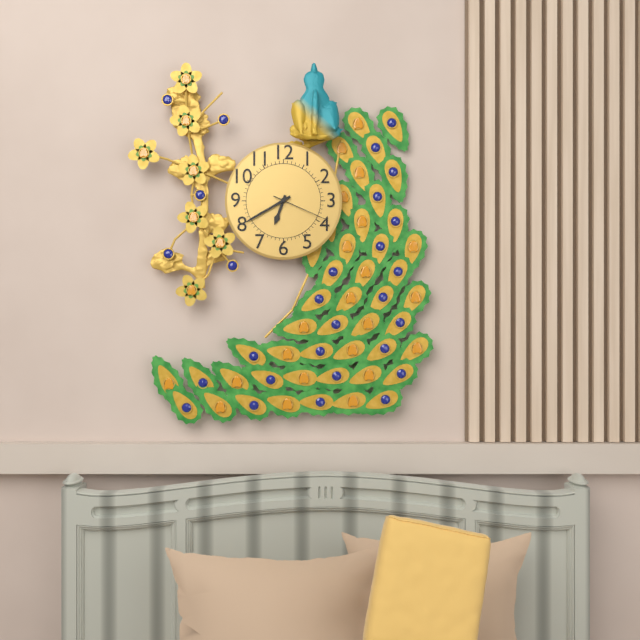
6:40:19
